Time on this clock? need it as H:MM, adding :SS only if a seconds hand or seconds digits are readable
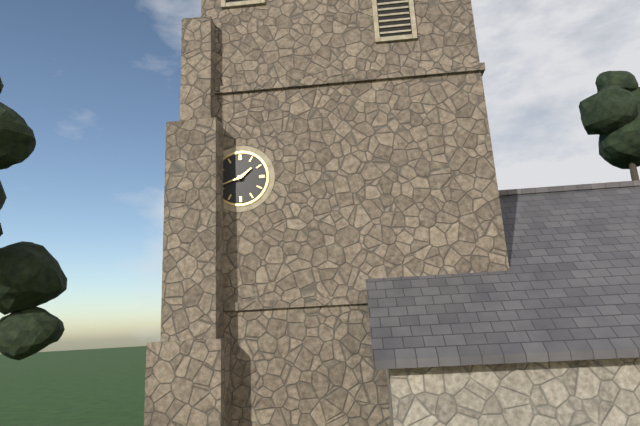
1:42
